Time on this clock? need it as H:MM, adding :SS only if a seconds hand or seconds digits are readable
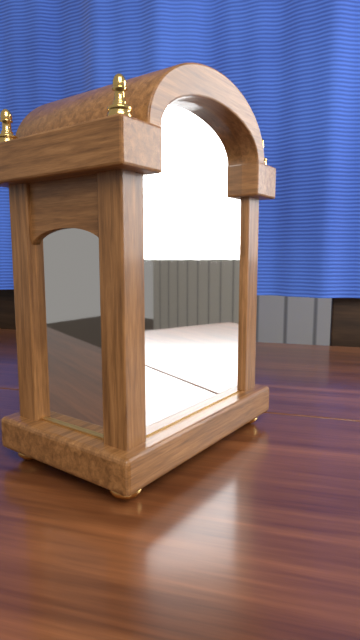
12:09
